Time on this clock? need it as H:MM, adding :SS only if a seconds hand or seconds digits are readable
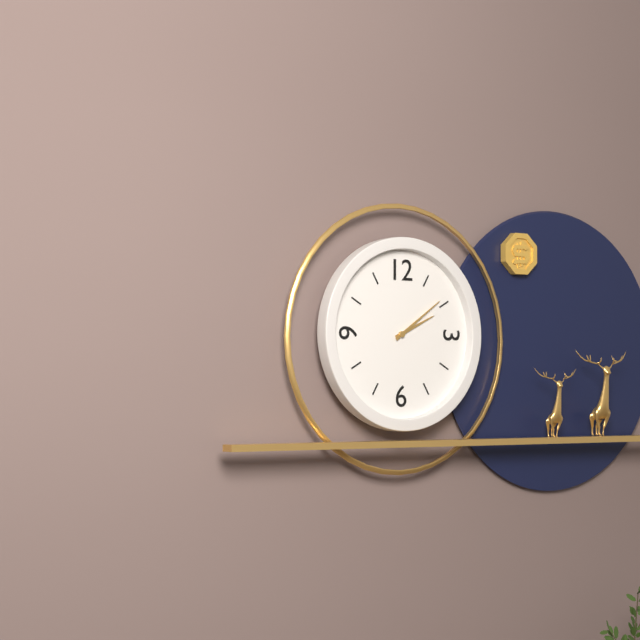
2:09
